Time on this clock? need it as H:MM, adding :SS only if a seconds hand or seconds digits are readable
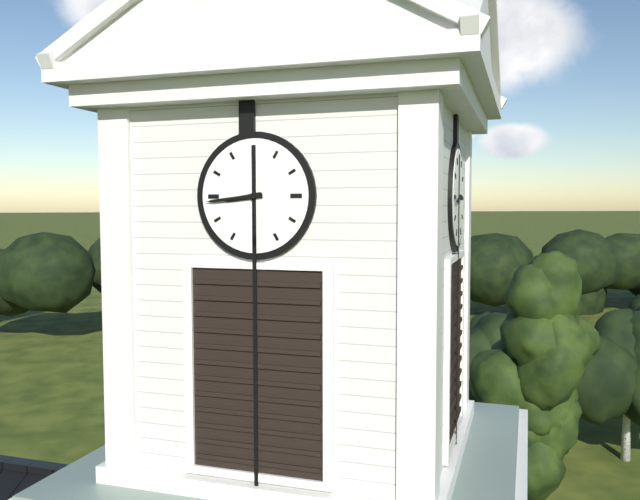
8:44
